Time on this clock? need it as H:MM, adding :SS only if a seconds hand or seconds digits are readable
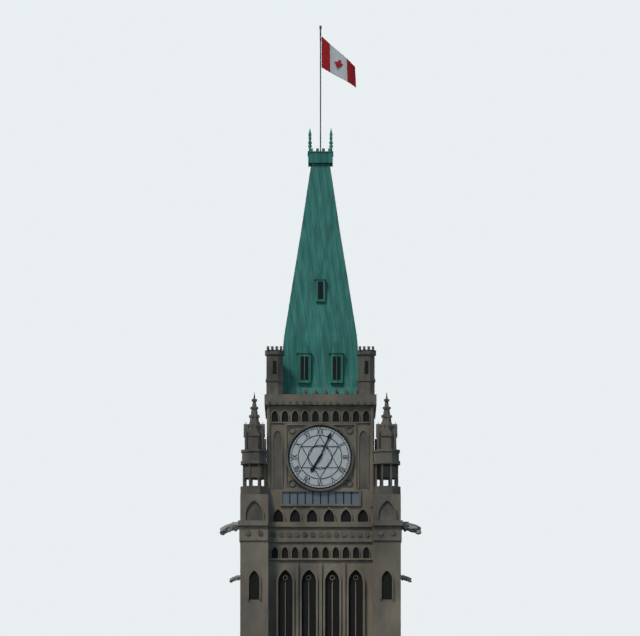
7:04
